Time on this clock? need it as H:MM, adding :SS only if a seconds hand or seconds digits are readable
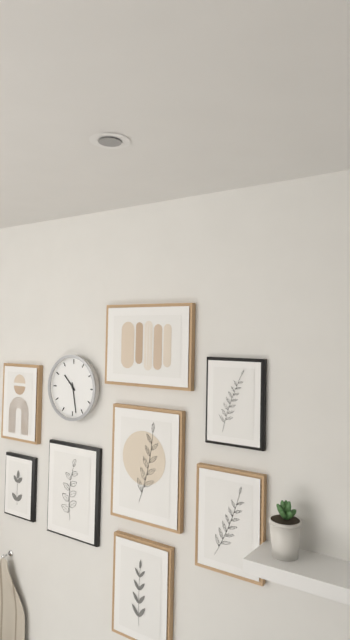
10:28
